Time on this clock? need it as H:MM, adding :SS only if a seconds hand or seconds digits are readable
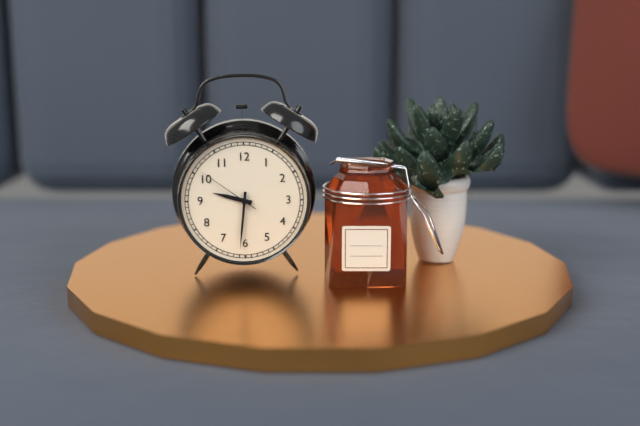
9:31:51
